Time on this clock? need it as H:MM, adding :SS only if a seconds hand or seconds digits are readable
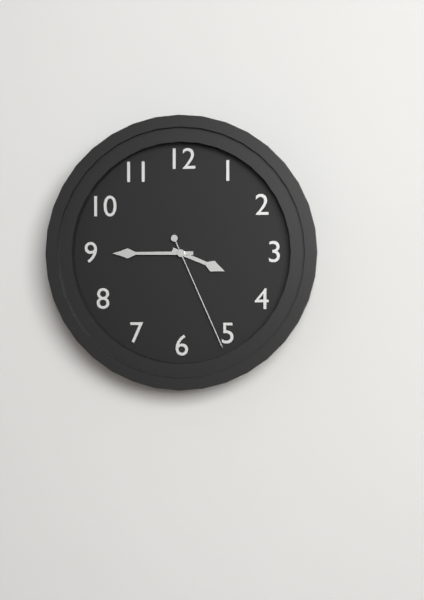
3:45:26
